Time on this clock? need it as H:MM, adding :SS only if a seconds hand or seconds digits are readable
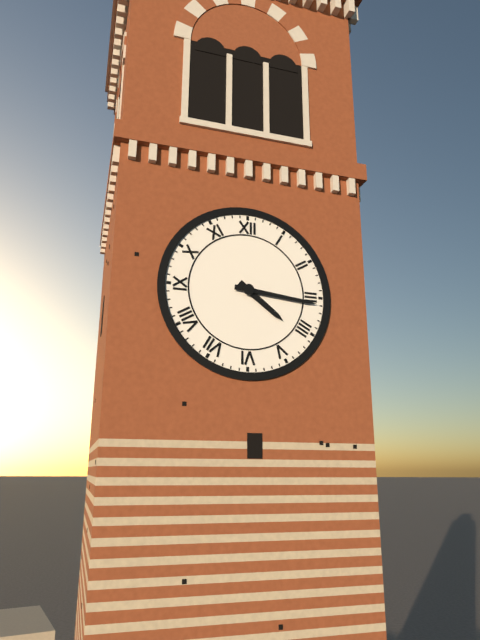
4:16
